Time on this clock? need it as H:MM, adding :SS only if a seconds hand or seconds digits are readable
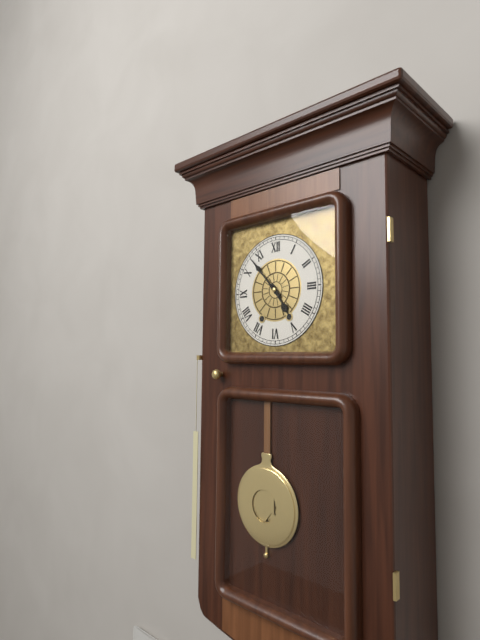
4:53
